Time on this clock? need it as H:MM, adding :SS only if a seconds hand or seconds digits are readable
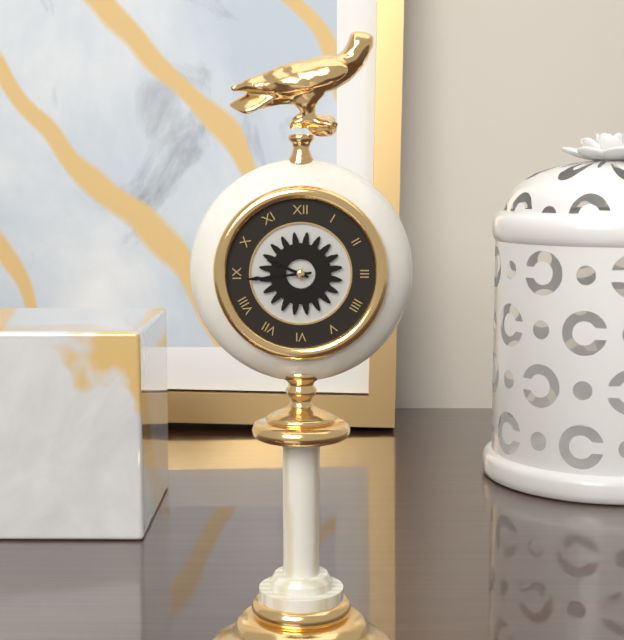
9:44
